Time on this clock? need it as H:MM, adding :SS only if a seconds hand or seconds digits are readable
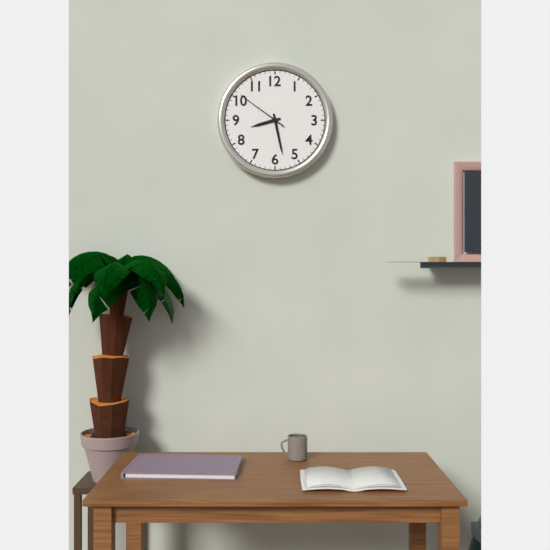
8:28:51
